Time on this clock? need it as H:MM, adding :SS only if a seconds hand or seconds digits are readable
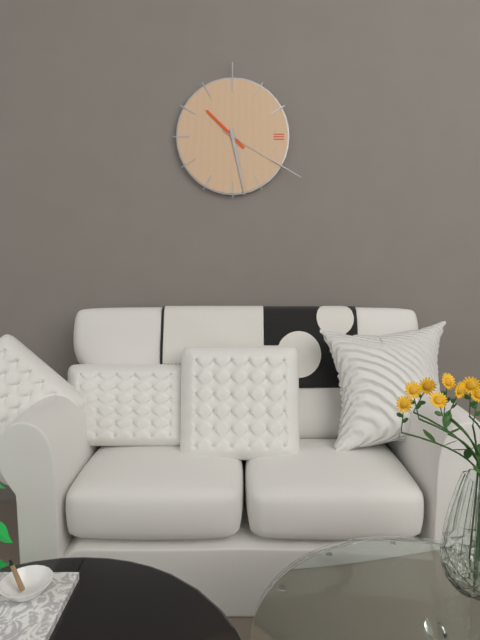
10:28:20
